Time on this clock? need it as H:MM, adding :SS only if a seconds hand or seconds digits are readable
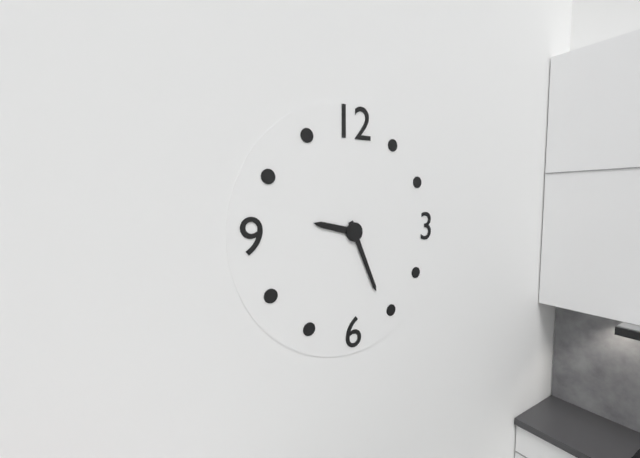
9:26
